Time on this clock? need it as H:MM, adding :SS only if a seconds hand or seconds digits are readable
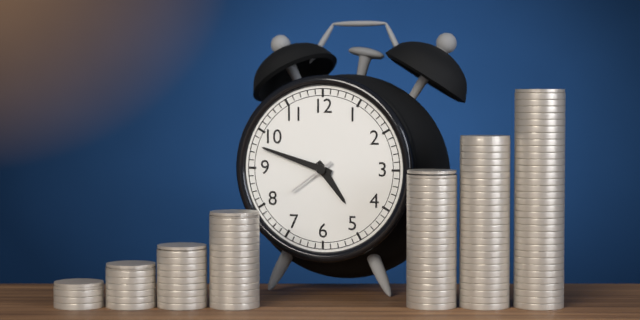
4:48
